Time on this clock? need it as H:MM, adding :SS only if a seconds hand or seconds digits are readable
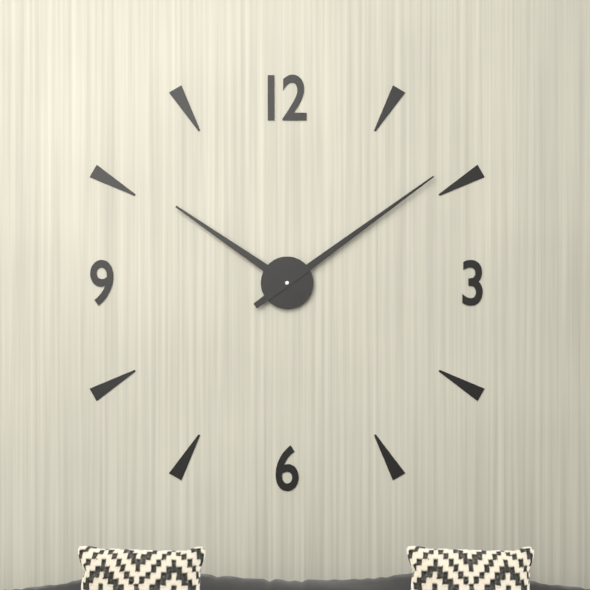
10:09
